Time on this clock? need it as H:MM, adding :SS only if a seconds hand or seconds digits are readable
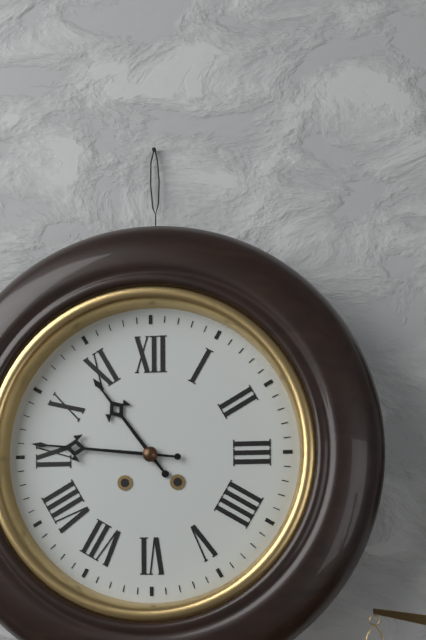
10:46
